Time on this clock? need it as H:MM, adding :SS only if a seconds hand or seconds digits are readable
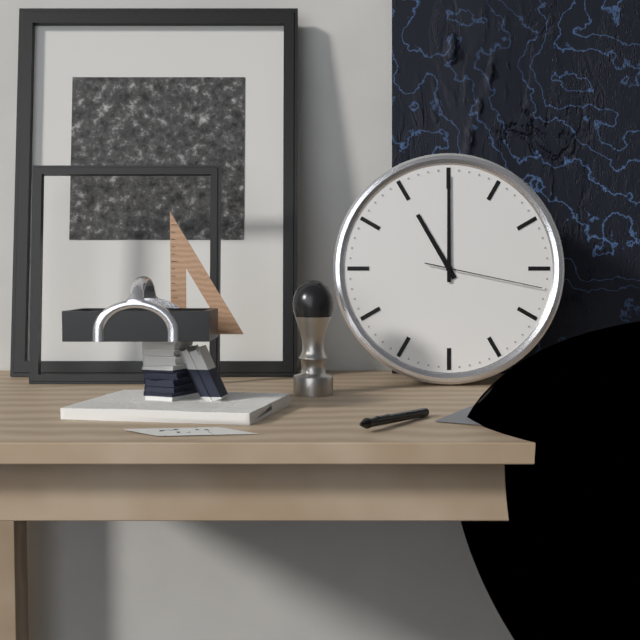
11:00:17
